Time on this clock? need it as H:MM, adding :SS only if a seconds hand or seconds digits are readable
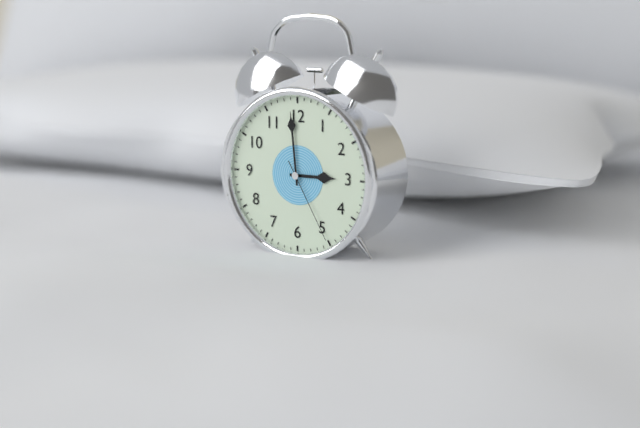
2:59:25
